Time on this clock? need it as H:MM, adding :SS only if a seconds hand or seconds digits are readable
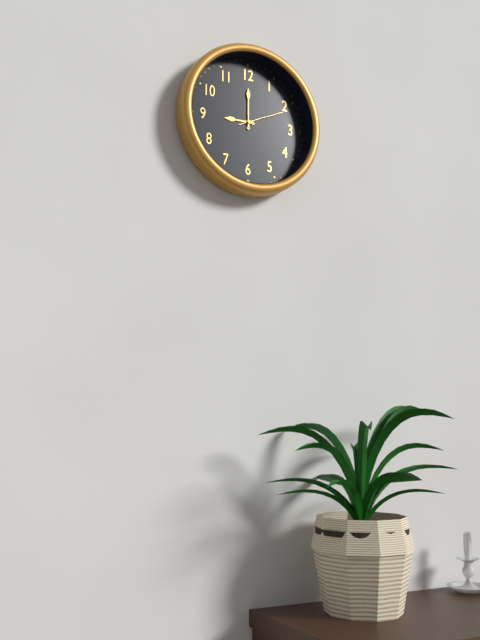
9:00:11
